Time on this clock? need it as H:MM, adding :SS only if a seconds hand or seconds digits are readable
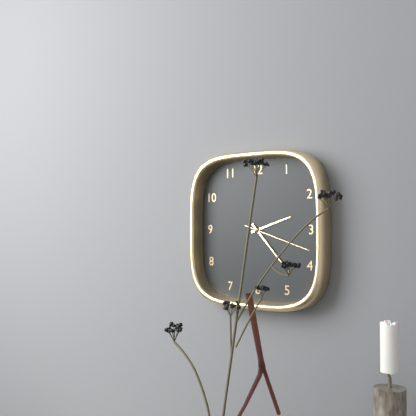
2:23:18
